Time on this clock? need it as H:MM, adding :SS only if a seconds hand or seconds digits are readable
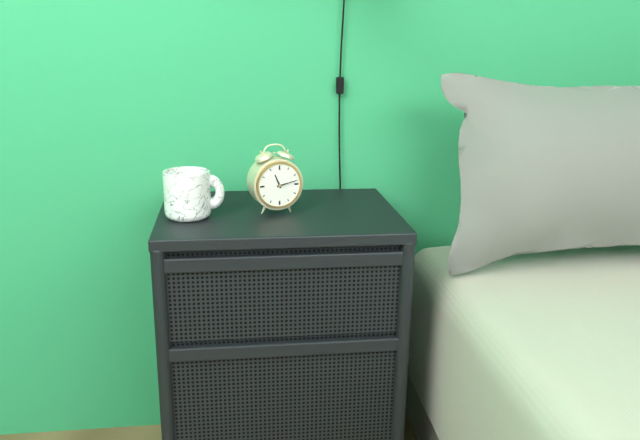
11:13
